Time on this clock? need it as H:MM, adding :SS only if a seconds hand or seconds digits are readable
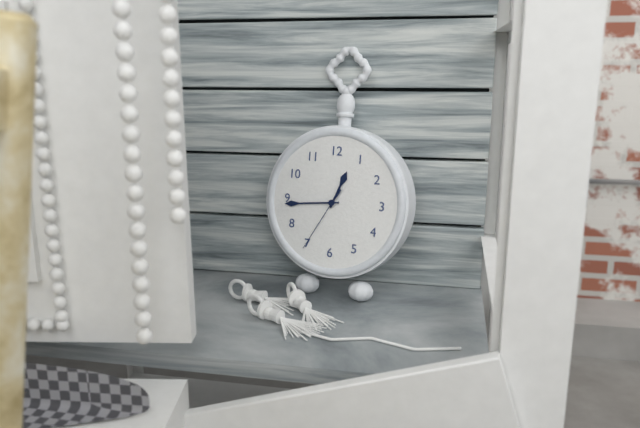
12:44:35
